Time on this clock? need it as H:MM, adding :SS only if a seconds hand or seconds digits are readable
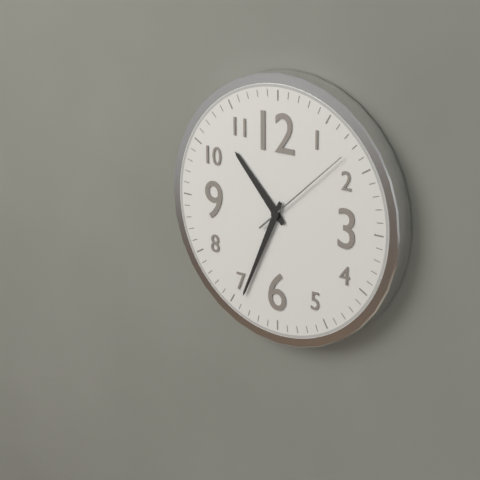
10:34:08
